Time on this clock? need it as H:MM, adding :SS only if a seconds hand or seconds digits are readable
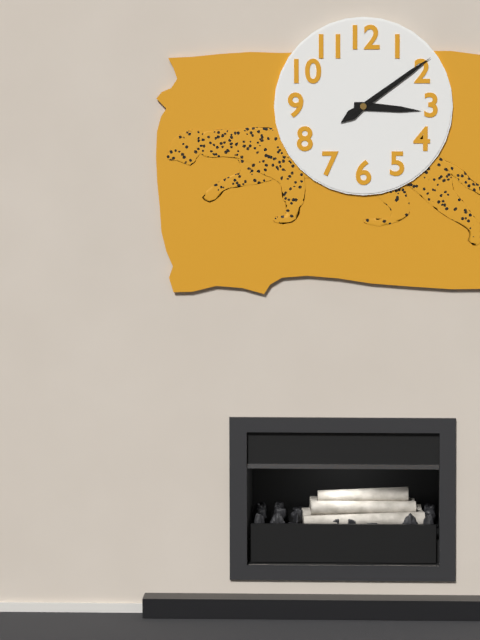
3:09:09
